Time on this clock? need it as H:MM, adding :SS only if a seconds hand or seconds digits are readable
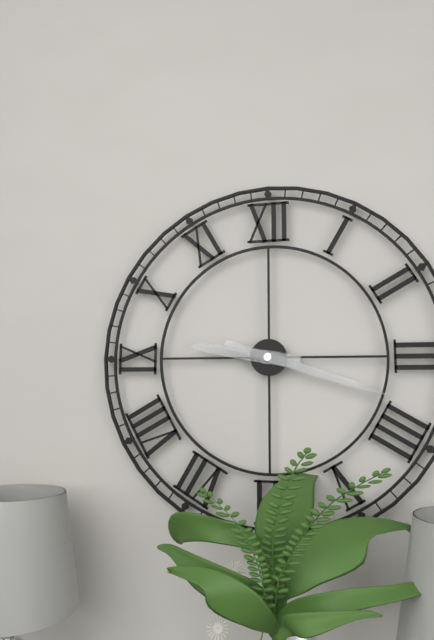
9:18
